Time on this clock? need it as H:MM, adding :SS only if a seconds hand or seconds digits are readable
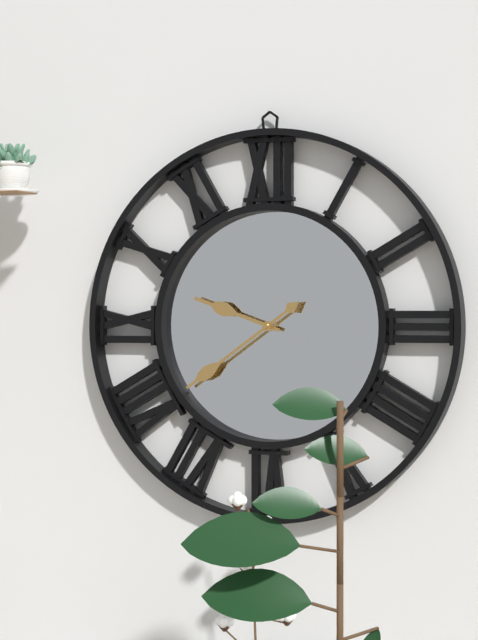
9:39
